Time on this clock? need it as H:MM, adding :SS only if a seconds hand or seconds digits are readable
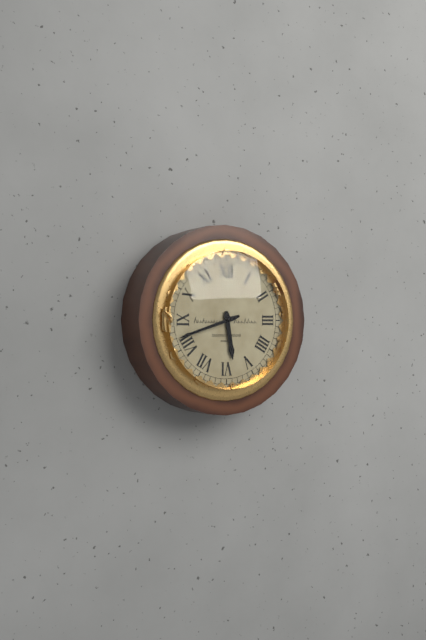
5:42
